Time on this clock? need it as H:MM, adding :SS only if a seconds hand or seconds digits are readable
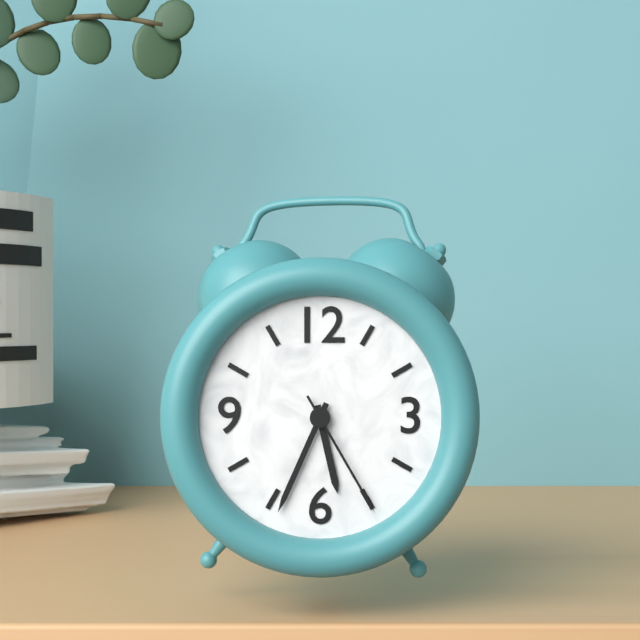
5:34:25
